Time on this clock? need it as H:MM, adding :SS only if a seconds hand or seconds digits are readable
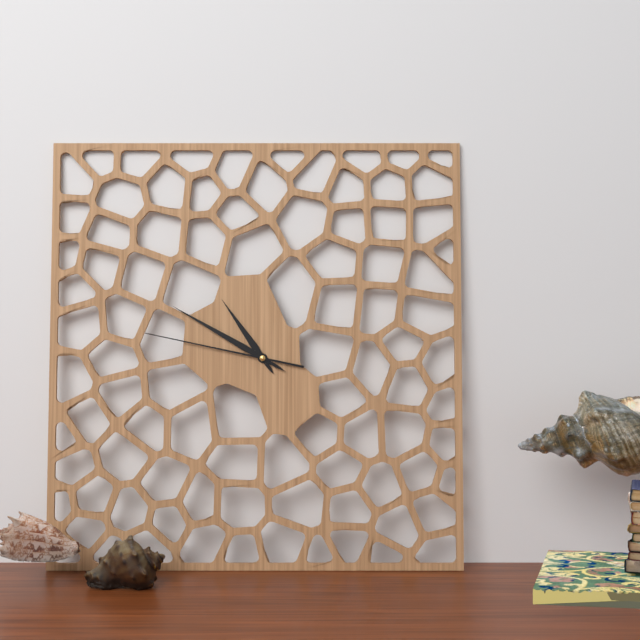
10:50:47
